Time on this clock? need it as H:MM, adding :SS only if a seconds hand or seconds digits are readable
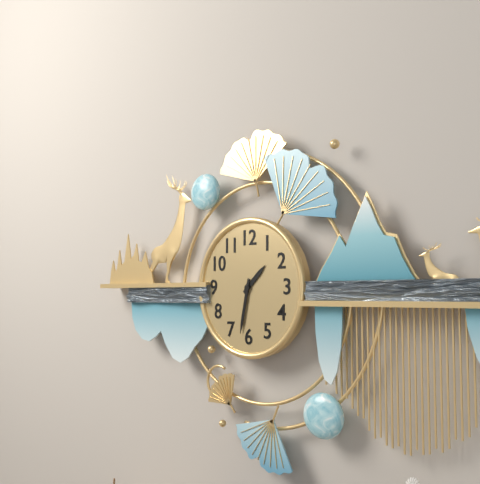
1:32
